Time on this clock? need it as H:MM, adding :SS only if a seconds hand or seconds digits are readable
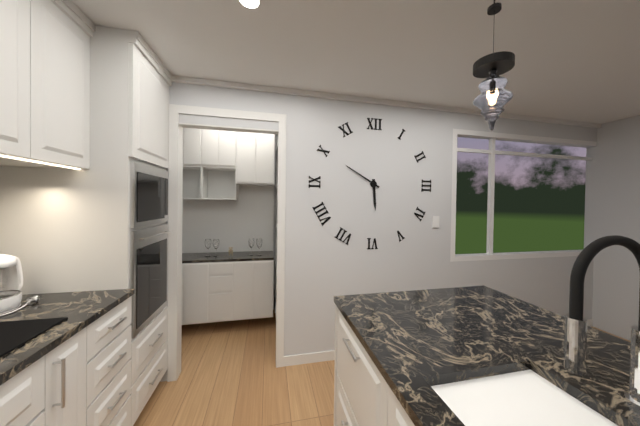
5:50
